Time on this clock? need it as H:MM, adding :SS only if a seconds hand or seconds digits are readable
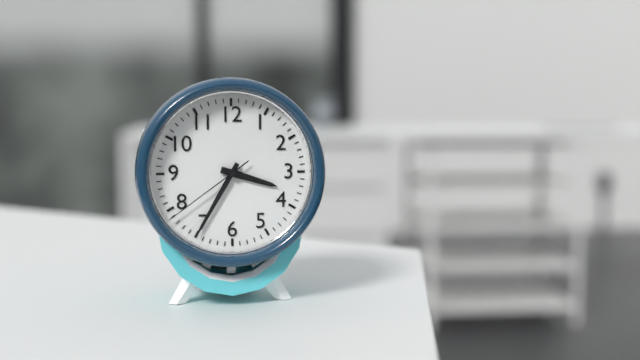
3:35:39
